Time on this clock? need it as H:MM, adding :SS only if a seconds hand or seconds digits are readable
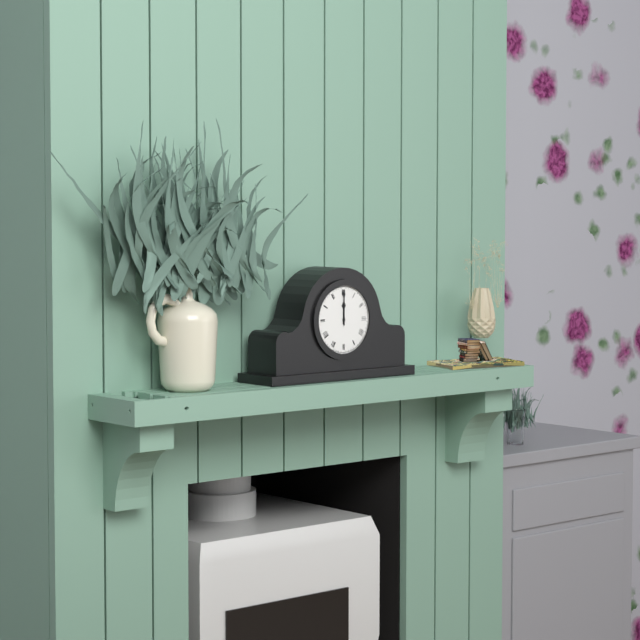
12:00
